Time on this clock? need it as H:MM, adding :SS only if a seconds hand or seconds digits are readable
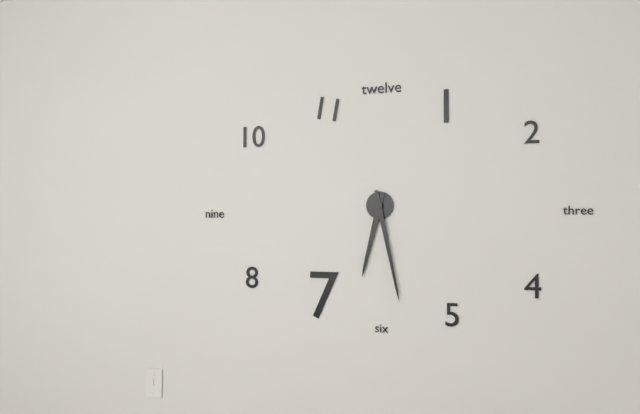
6:28
